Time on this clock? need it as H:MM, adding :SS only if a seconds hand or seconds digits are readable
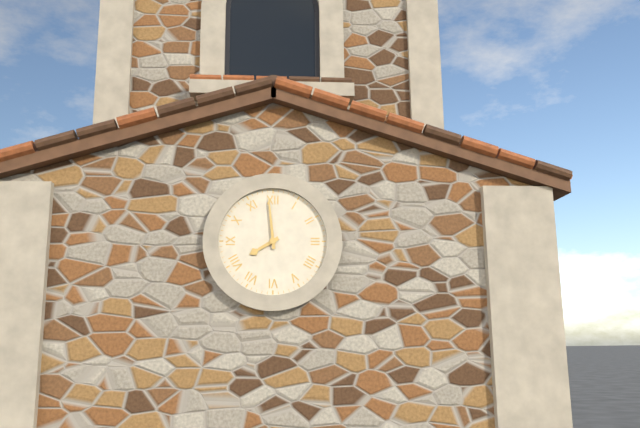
7:59
